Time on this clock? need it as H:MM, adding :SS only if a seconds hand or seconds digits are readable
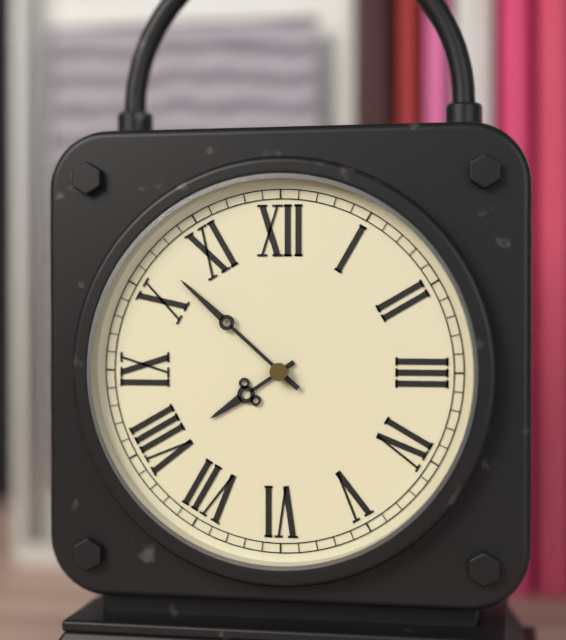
7:52
